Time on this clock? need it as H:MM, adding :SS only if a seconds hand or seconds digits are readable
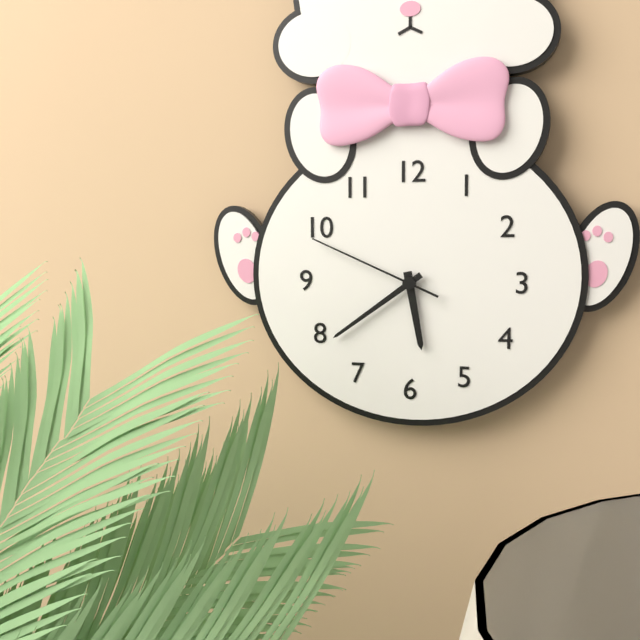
5:39:49
